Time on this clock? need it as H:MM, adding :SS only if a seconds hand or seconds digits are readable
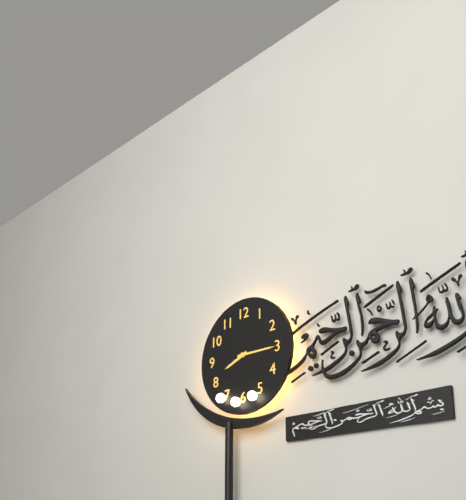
8:15
